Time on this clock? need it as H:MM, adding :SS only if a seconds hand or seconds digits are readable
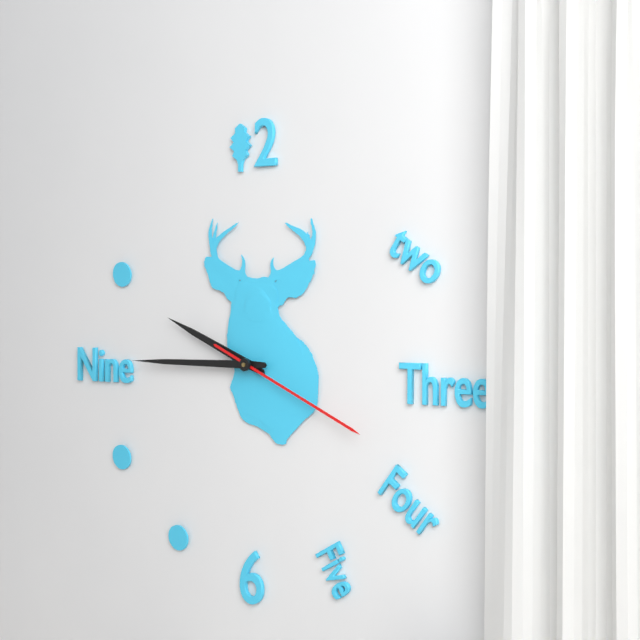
9:45:19
